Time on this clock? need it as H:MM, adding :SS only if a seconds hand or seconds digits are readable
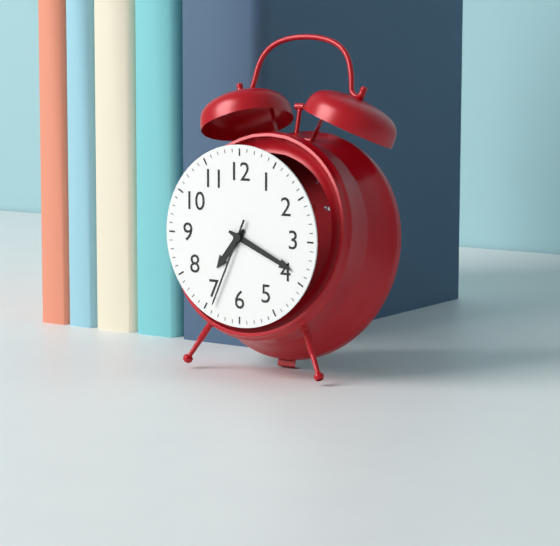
7:19:34
